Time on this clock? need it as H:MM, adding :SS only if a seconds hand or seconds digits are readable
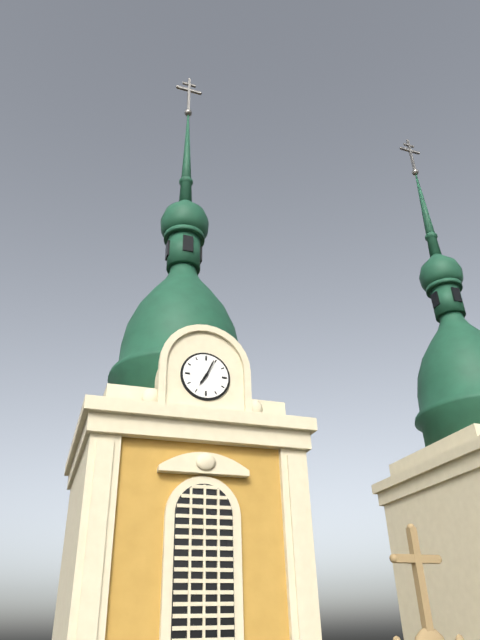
7:04
